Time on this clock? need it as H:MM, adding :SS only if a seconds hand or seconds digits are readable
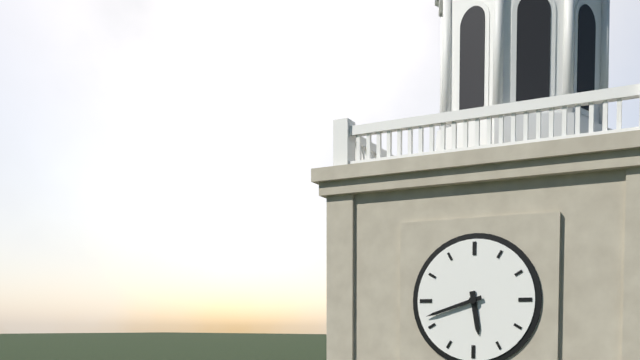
5:42
